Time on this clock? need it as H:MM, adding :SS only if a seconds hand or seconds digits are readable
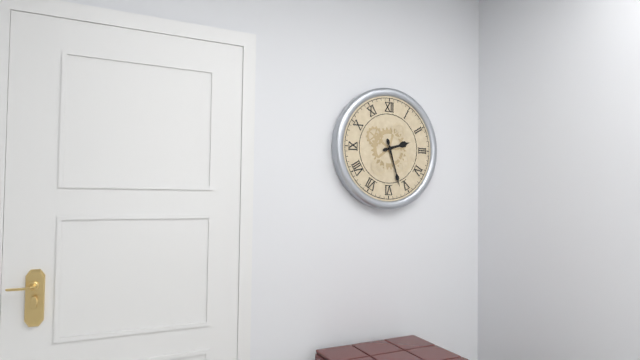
2:27
